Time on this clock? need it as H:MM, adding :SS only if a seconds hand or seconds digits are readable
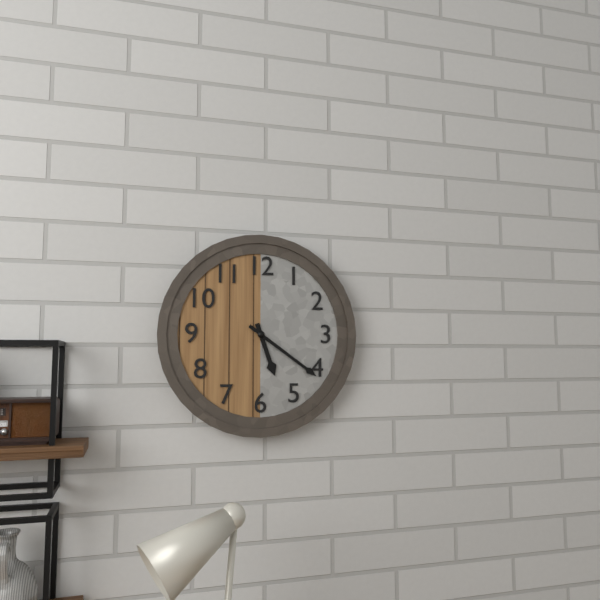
5:21
